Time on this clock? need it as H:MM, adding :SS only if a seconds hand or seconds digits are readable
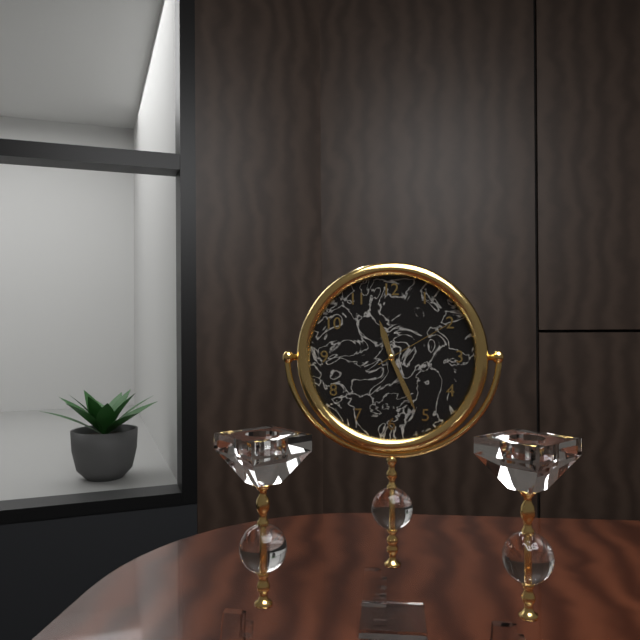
11:26:10
